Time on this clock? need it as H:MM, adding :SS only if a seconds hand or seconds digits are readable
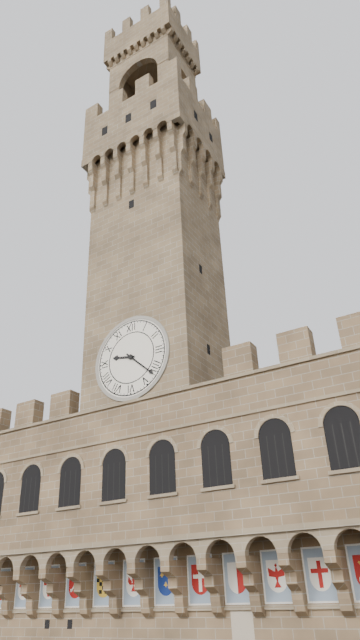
9:22
